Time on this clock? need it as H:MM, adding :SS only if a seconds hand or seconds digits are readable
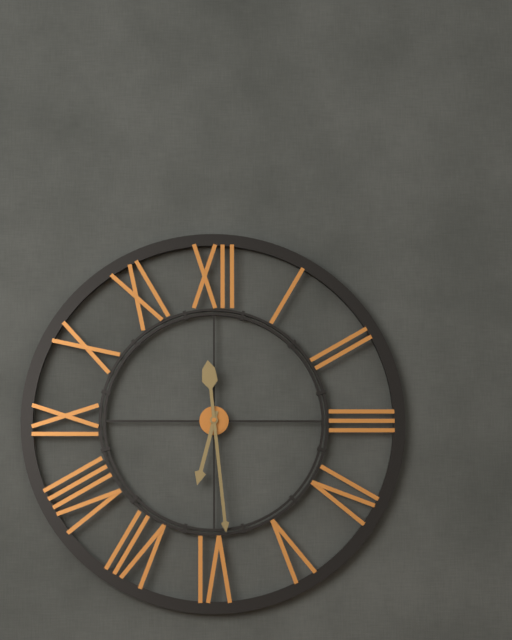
6:29
